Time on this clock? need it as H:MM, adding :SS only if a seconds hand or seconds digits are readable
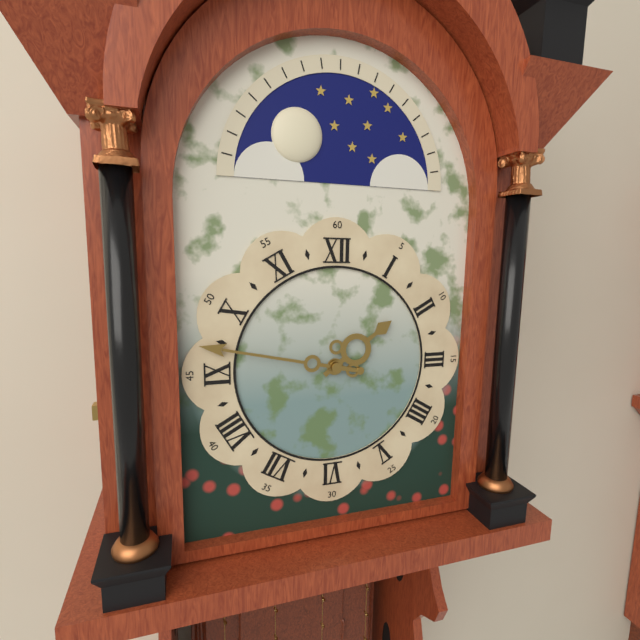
1:47
